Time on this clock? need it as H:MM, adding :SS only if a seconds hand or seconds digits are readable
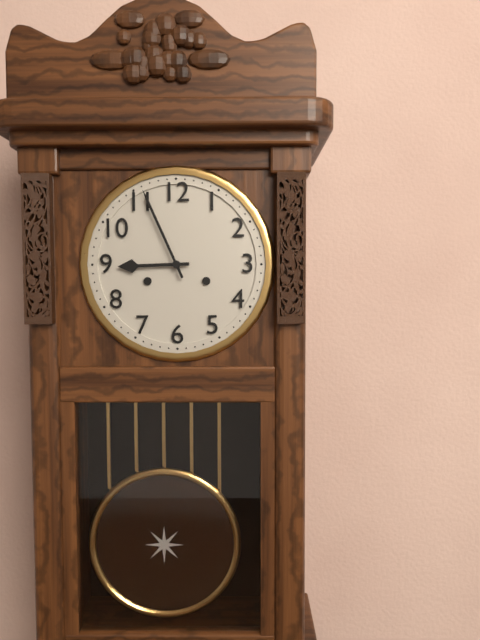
8:56
